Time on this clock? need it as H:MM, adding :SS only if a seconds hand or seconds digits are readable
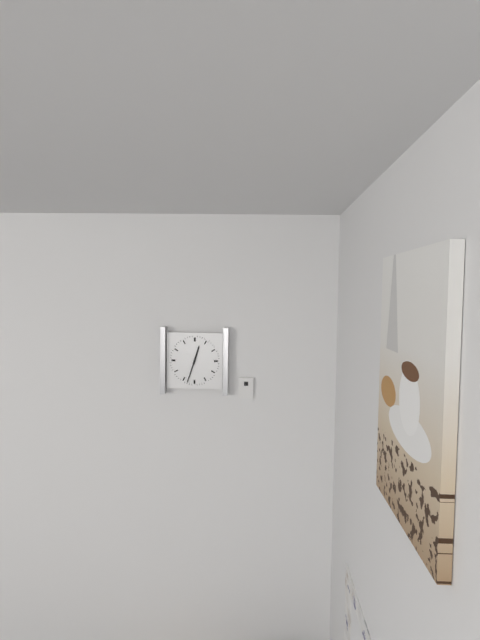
12:33
